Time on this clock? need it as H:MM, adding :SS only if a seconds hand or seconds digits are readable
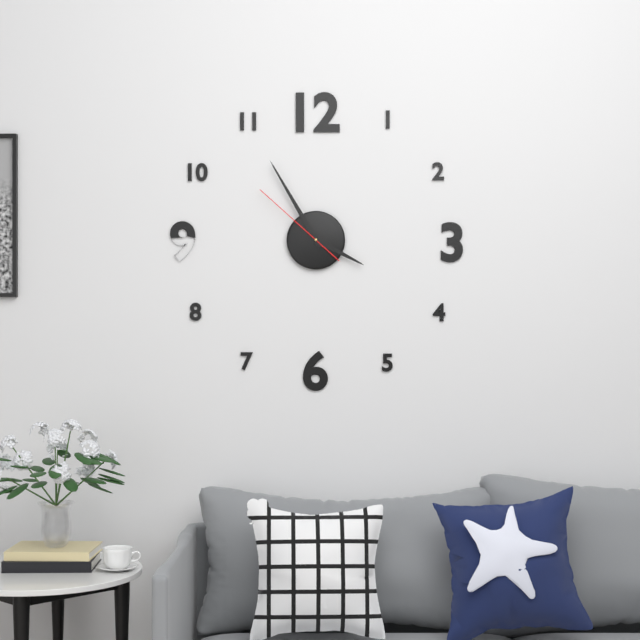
3:55:52
